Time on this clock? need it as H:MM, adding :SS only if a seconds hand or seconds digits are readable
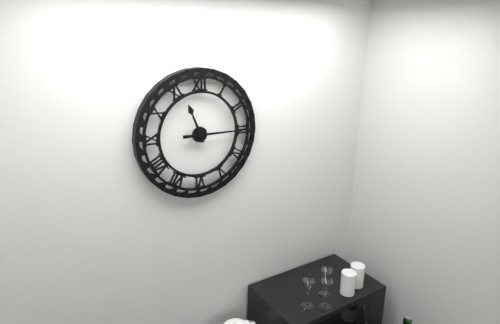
11:15
